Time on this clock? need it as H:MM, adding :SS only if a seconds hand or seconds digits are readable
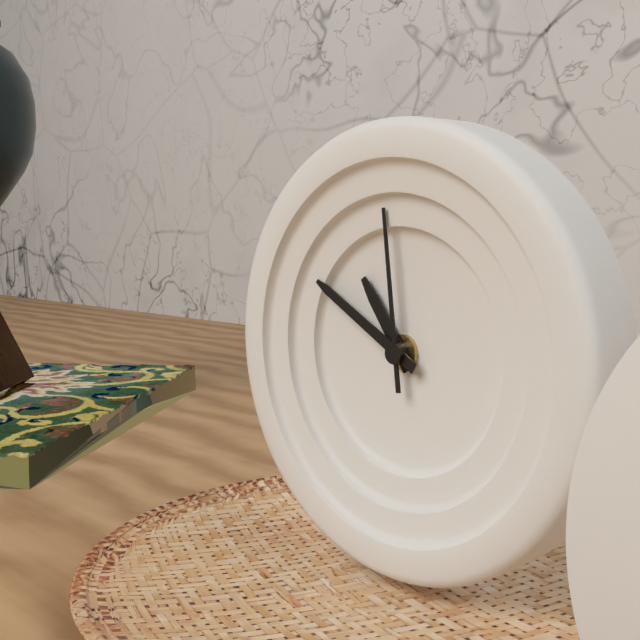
10:50:59
